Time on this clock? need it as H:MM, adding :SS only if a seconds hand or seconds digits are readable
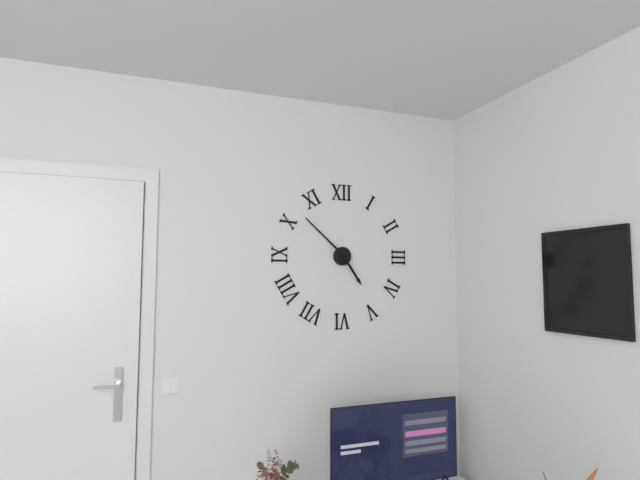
4:52
